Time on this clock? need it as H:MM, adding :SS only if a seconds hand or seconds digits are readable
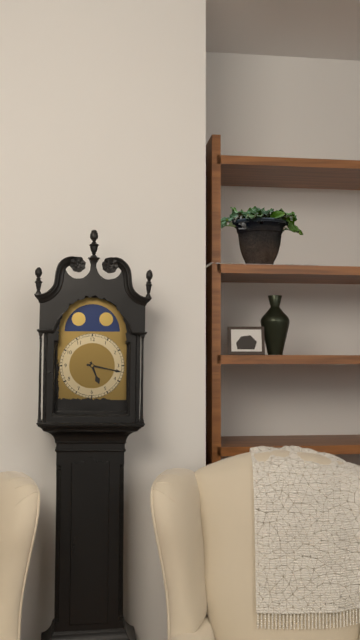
5:17
